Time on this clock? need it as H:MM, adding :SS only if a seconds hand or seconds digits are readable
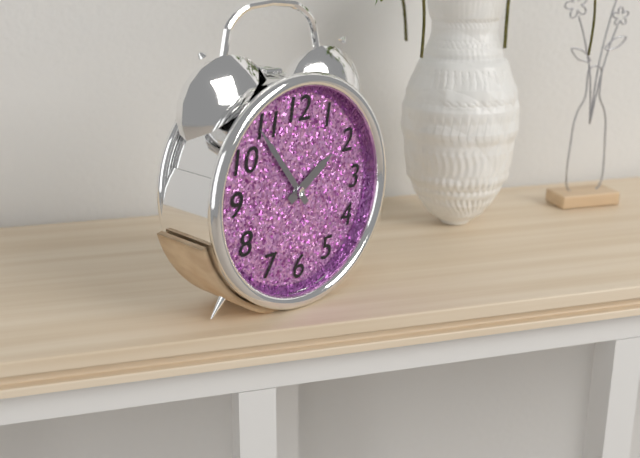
1:54
